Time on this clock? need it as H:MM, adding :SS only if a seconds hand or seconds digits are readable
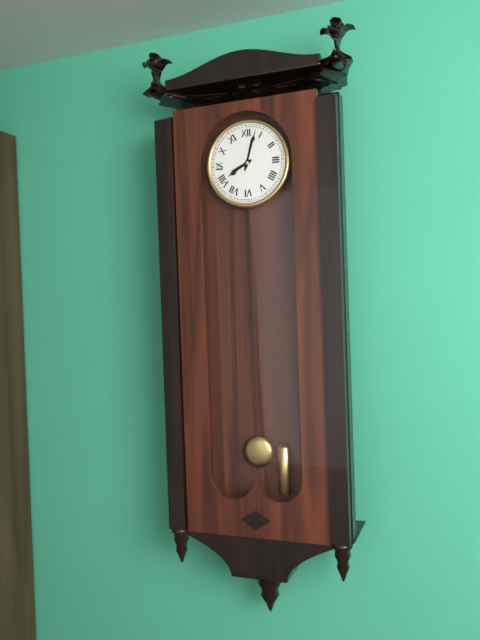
8:03
